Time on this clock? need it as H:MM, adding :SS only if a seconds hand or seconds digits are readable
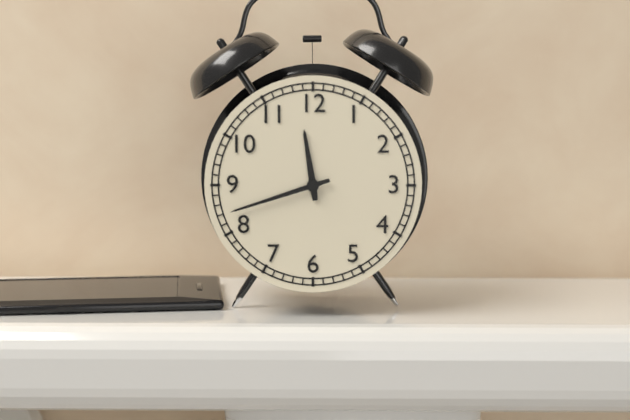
11:42
